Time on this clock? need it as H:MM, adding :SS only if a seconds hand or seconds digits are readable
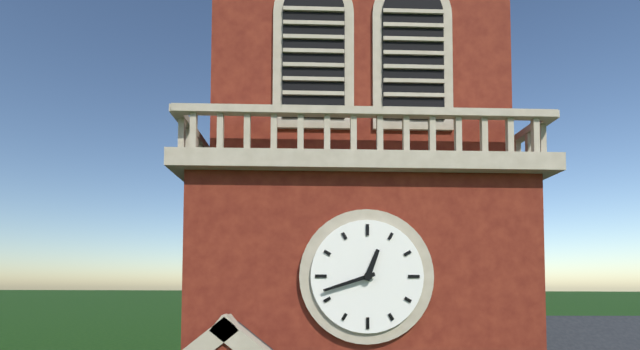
12:42
